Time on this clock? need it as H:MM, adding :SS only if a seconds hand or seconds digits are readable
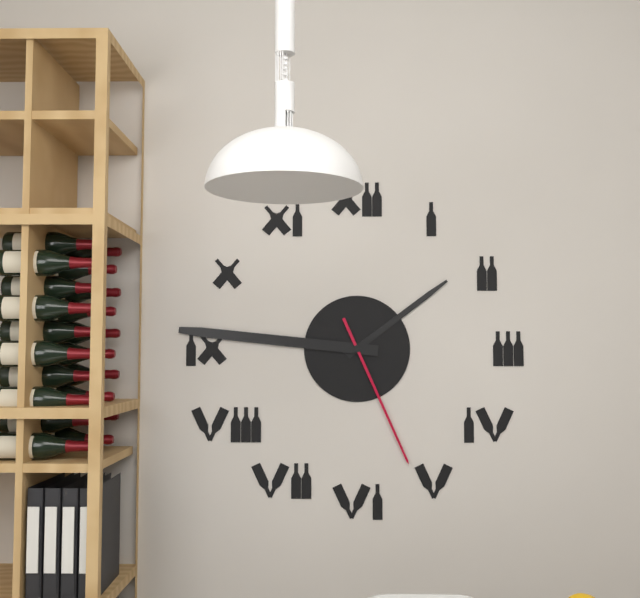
1:46:26
